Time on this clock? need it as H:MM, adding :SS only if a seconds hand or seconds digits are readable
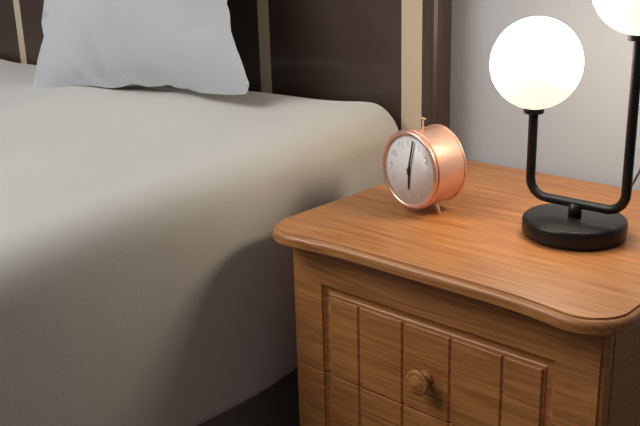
6:02
